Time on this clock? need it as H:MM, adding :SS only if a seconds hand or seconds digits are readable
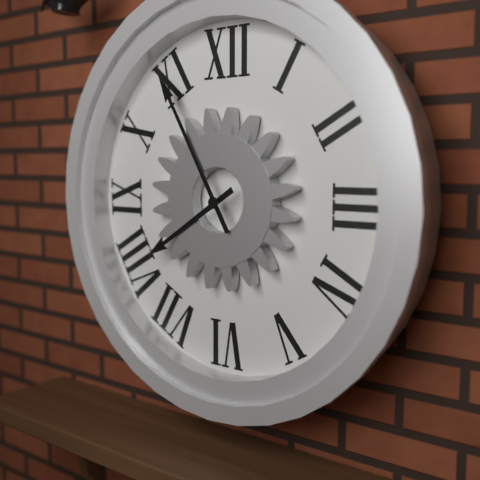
7:55
